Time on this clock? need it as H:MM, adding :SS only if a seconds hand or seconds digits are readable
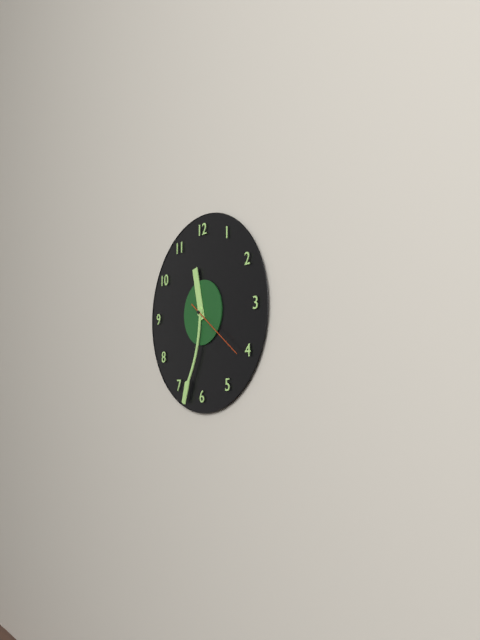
11:33:21
